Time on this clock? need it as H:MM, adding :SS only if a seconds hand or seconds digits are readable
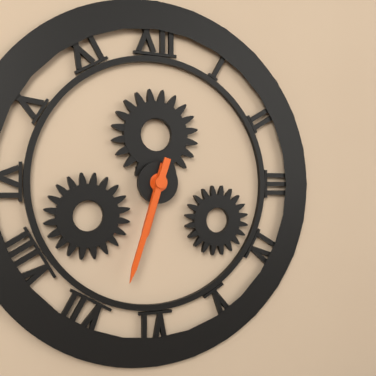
6:33
